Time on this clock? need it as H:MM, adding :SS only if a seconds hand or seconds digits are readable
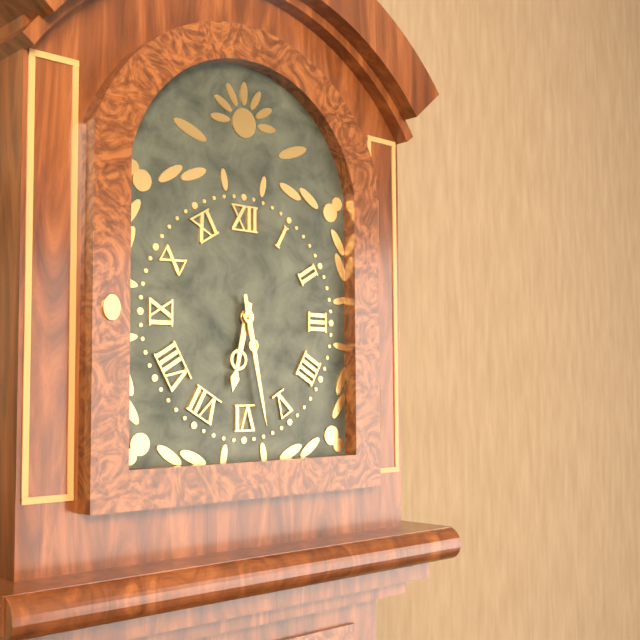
6:28
